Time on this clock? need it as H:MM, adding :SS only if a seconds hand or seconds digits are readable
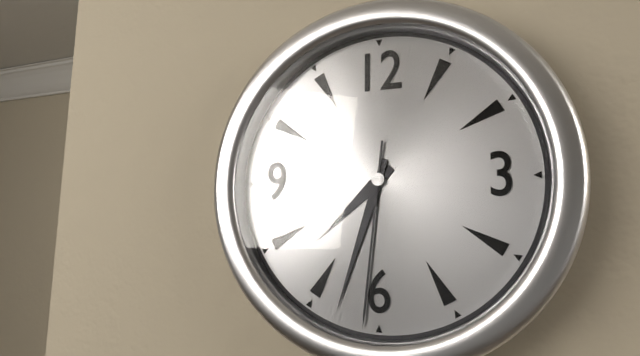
7:33:31
